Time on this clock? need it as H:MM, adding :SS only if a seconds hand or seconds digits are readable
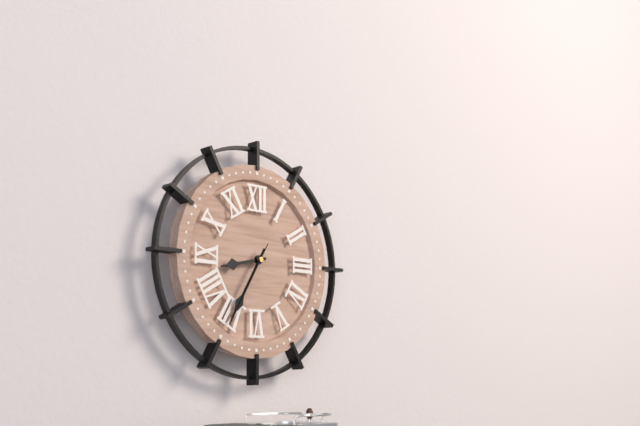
8:35:35
